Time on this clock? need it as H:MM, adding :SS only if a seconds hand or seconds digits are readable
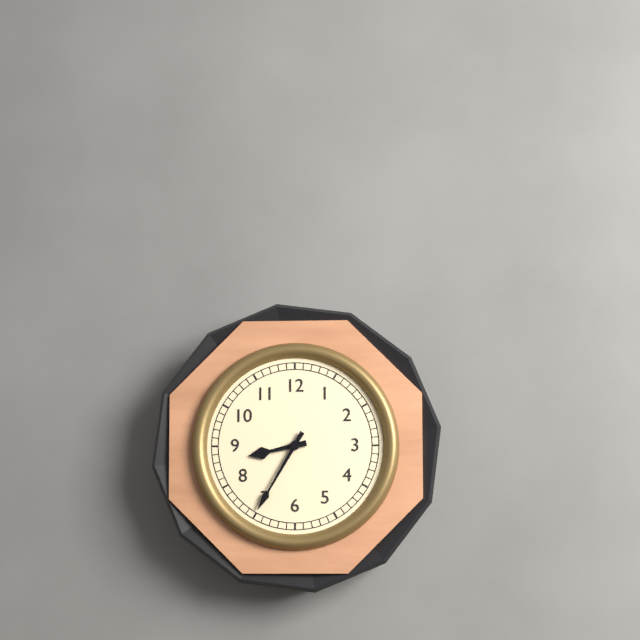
8:35
